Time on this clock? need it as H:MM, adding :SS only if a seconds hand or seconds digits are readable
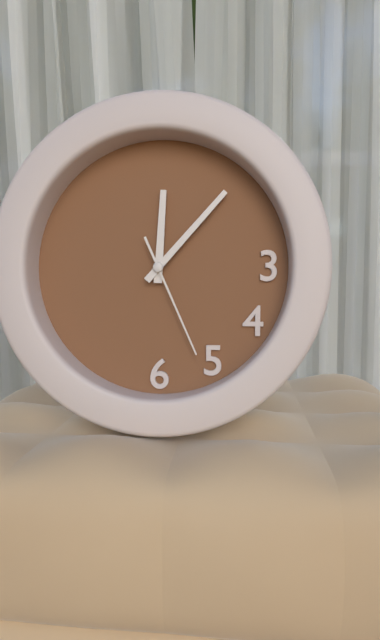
12:07:26
